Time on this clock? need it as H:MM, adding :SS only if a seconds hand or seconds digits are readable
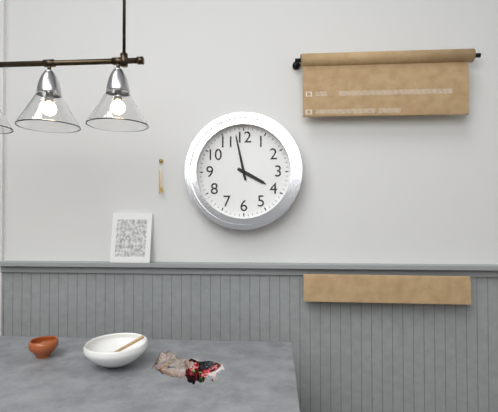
3:58
